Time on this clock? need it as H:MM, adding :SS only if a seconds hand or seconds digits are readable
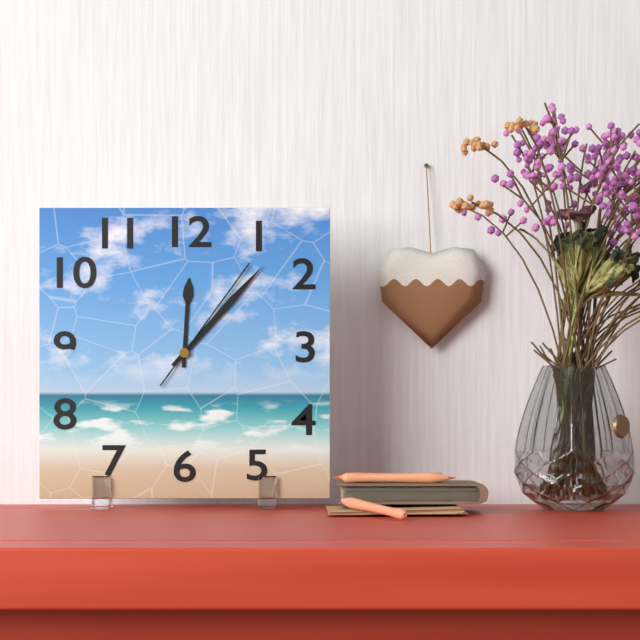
12:07:06
